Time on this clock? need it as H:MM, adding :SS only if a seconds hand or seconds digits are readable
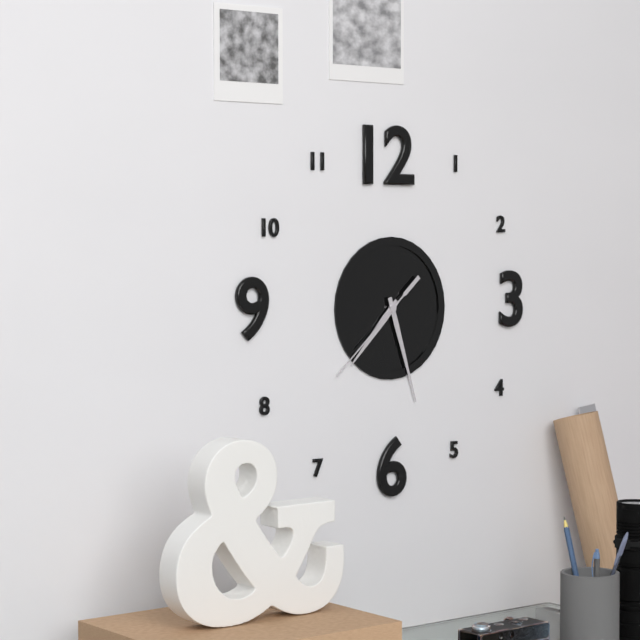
7:27:38
